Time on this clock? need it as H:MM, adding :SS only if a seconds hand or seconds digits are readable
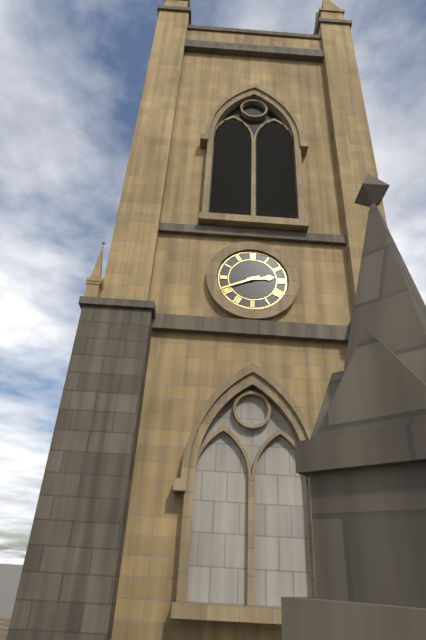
2:41
